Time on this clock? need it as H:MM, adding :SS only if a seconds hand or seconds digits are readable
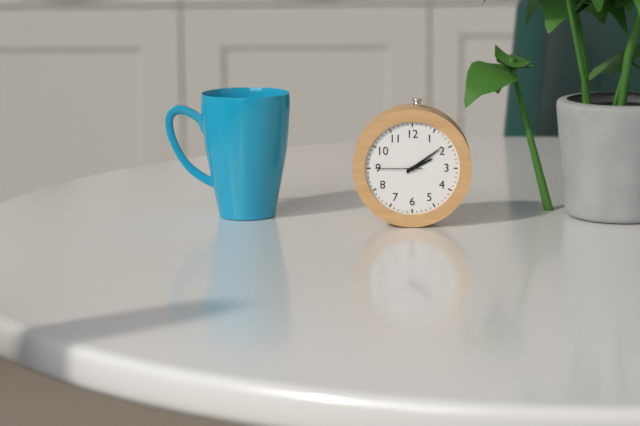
2:09
